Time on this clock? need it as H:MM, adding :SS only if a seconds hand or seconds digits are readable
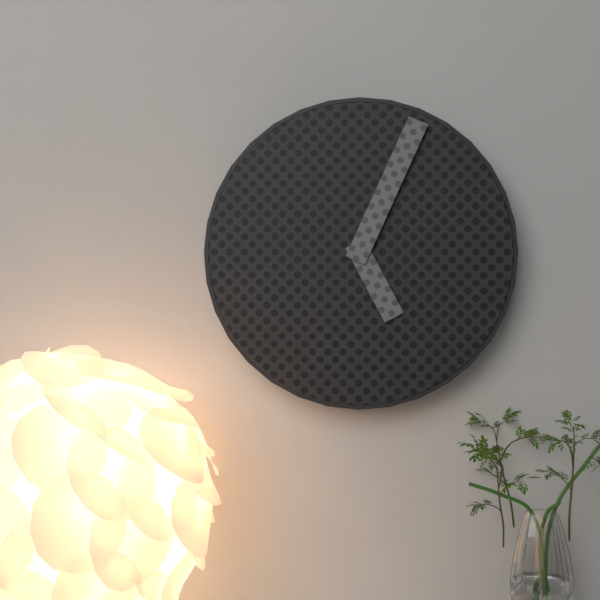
5:04
